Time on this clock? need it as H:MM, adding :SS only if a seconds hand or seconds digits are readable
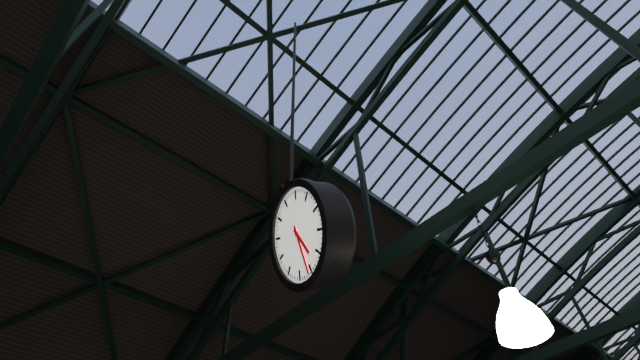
5:31
